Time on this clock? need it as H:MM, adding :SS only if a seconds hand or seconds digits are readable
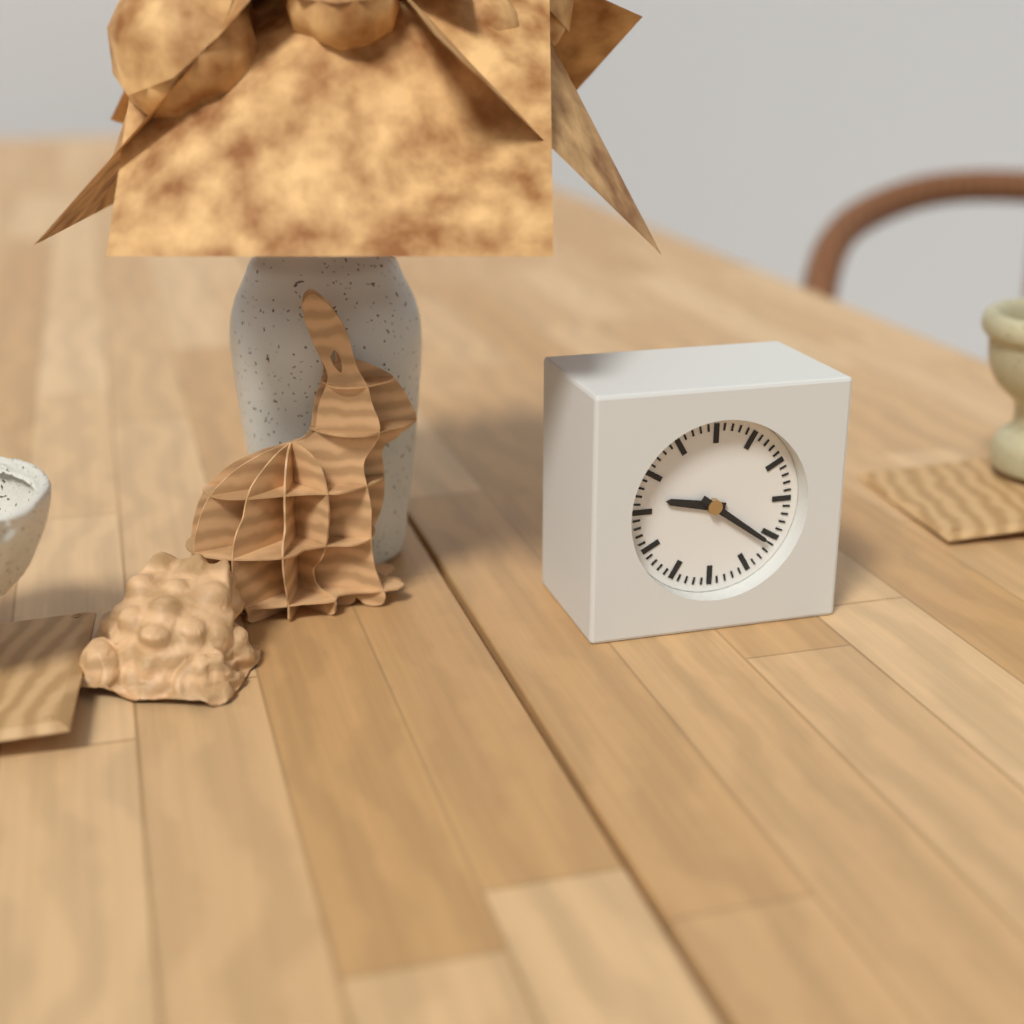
9:21
